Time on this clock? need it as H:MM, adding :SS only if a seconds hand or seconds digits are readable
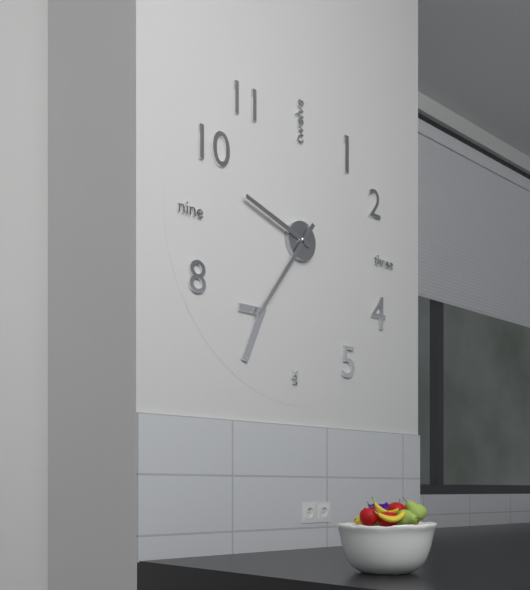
9:36
